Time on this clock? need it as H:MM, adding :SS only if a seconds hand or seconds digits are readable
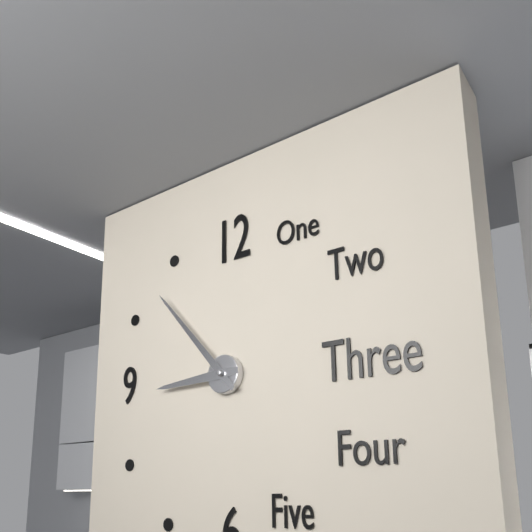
8:53
